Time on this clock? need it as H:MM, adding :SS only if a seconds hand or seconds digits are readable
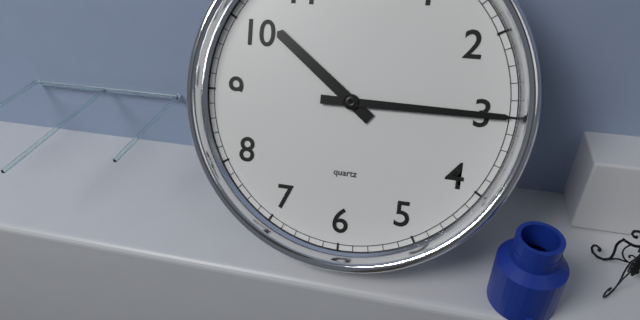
10:15
